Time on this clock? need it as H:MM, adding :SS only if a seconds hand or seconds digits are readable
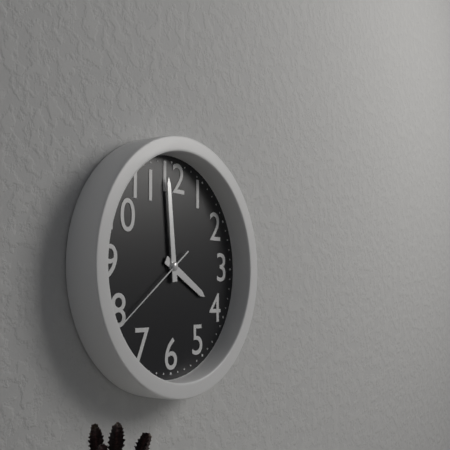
3:59:39
